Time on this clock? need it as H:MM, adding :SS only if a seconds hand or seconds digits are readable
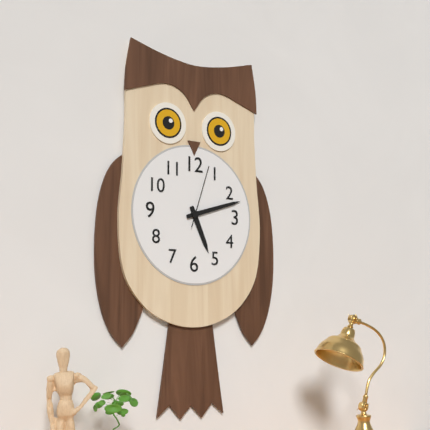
5:12:03
